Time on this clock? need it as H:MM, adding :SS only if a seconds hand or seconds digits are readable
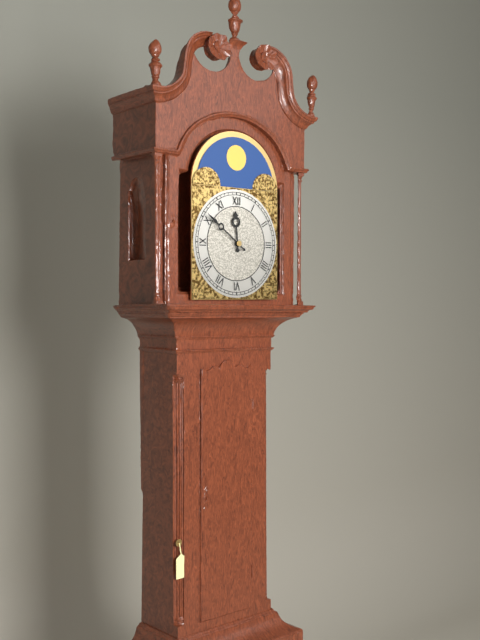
11:51
